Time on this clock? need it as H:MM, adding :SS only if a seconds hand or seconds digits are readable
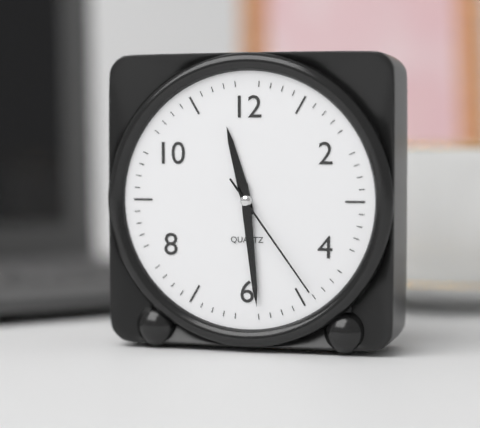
11:29:24
